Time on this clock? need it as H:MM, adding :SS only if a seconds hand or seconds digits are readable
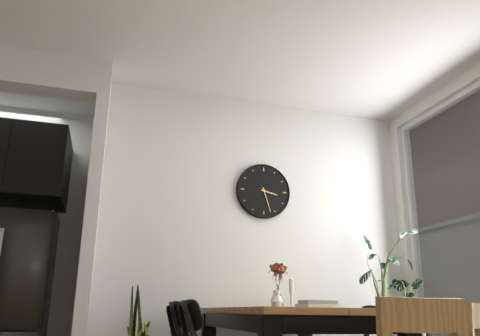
3:27
